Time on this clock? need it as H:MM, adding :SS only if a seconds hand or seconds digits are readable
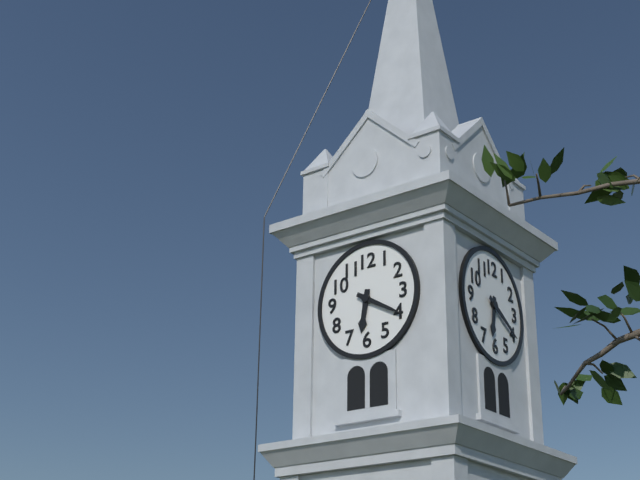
6:20
